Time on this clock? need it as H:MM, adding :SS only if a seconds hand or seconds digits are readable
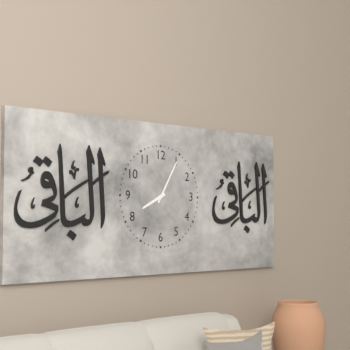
8:05
